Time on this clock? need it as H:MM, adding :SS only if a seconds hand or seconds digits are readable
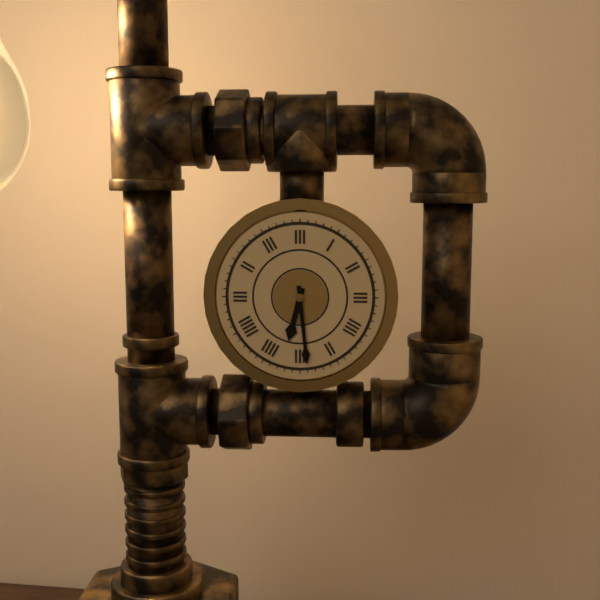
6:29
